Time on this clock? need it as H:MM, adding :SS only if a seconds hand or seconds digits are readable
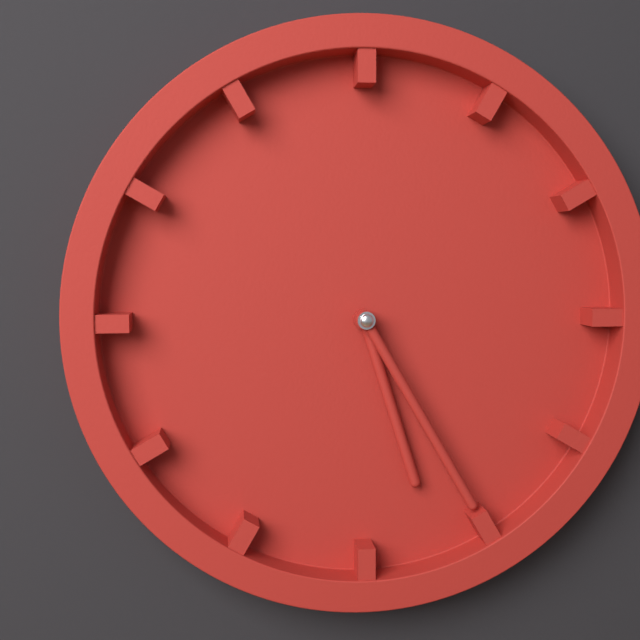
5:25
